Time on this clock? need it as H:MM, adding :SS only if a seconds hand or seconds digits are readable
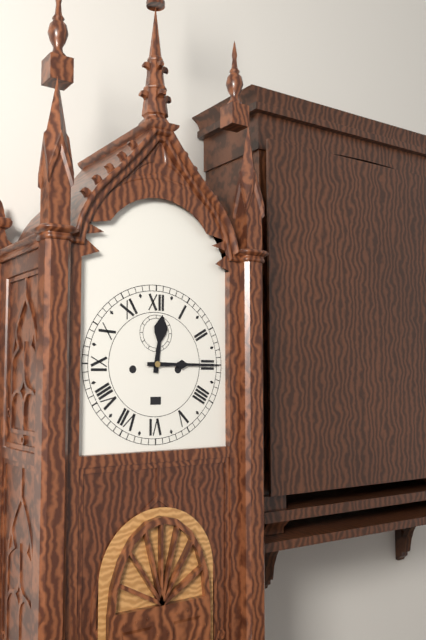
12:15
